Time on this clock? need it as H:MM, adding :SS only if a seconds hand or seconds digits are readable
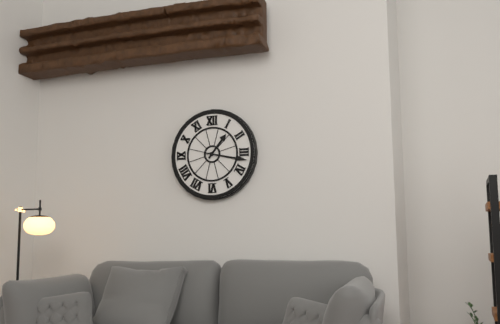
1:17
